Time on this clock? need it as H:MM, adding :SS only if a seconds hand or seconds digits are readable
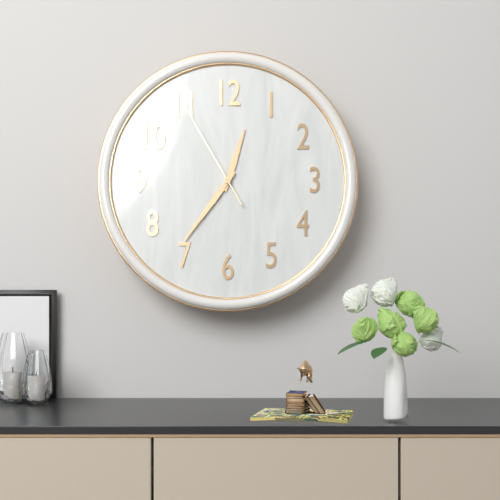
12:36:55
